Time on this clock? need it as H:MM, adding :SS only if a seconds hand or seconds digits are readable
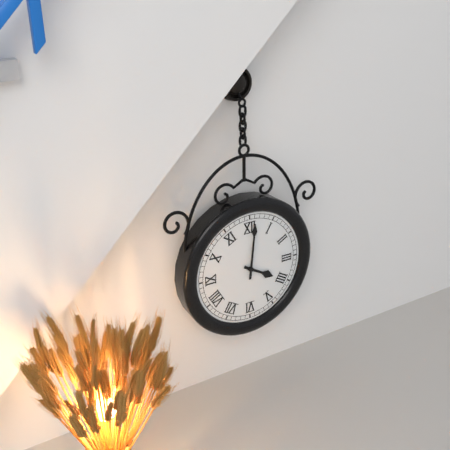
4:01
